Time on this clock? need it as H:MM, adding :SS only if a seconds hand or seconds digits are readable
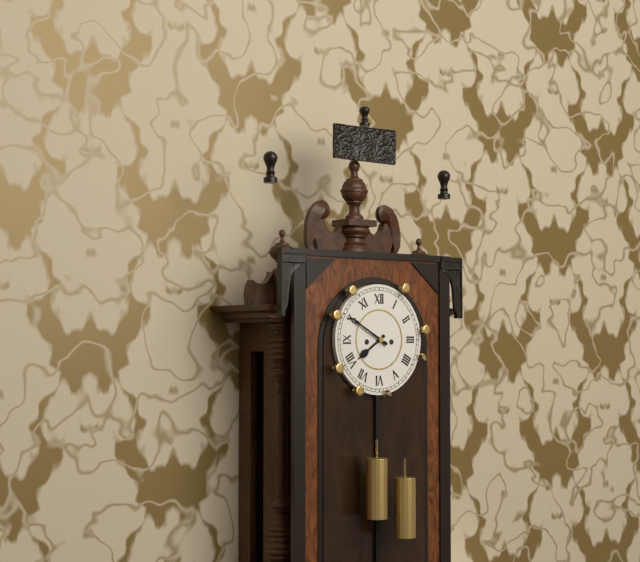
7:50
